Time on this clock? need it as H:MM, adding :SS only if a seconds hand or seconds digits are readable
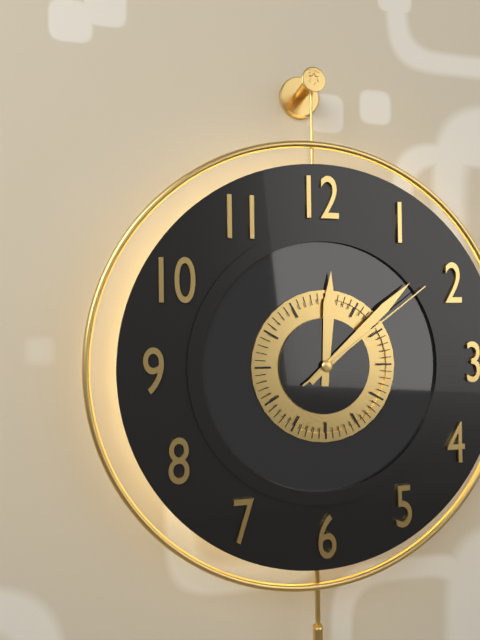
12:08:09
